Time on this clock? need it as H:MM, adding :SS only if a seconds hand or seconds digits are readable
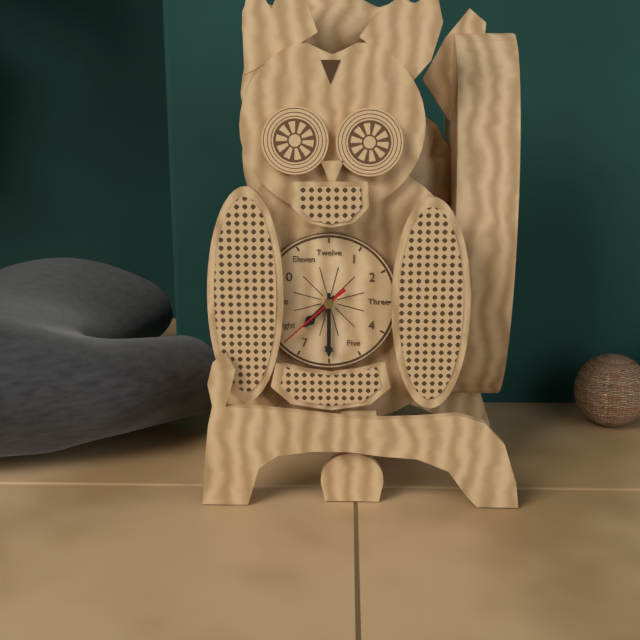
7:30:38
